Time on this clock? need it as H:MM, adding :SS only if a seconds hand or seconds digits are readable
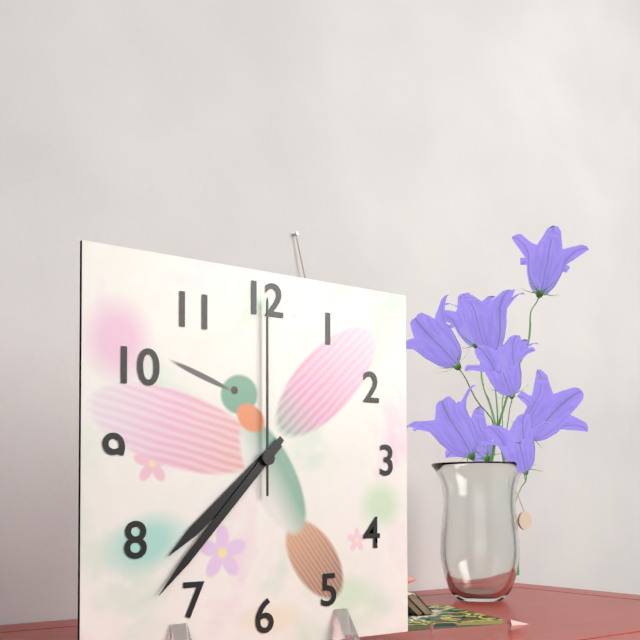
7:37:00
